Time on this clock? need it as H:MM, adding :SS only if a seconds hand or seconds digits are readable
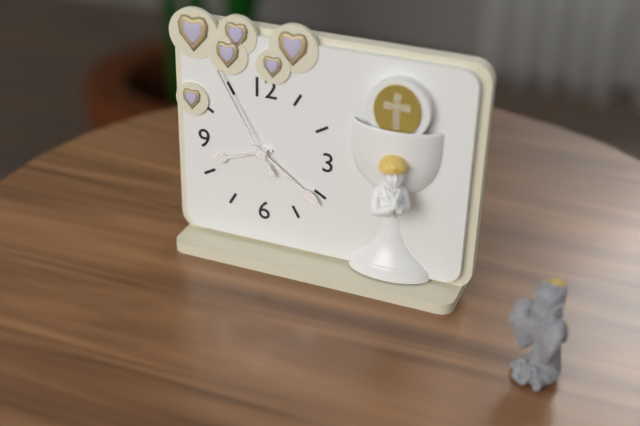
8:21:55
